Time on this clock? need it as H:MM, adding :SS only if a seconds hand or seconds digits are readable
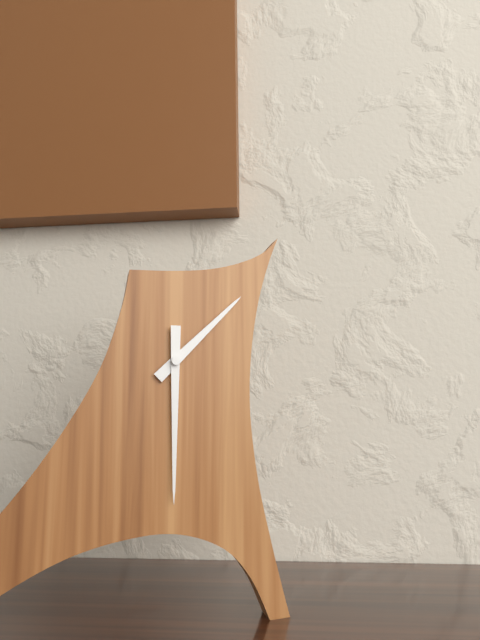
1:30
